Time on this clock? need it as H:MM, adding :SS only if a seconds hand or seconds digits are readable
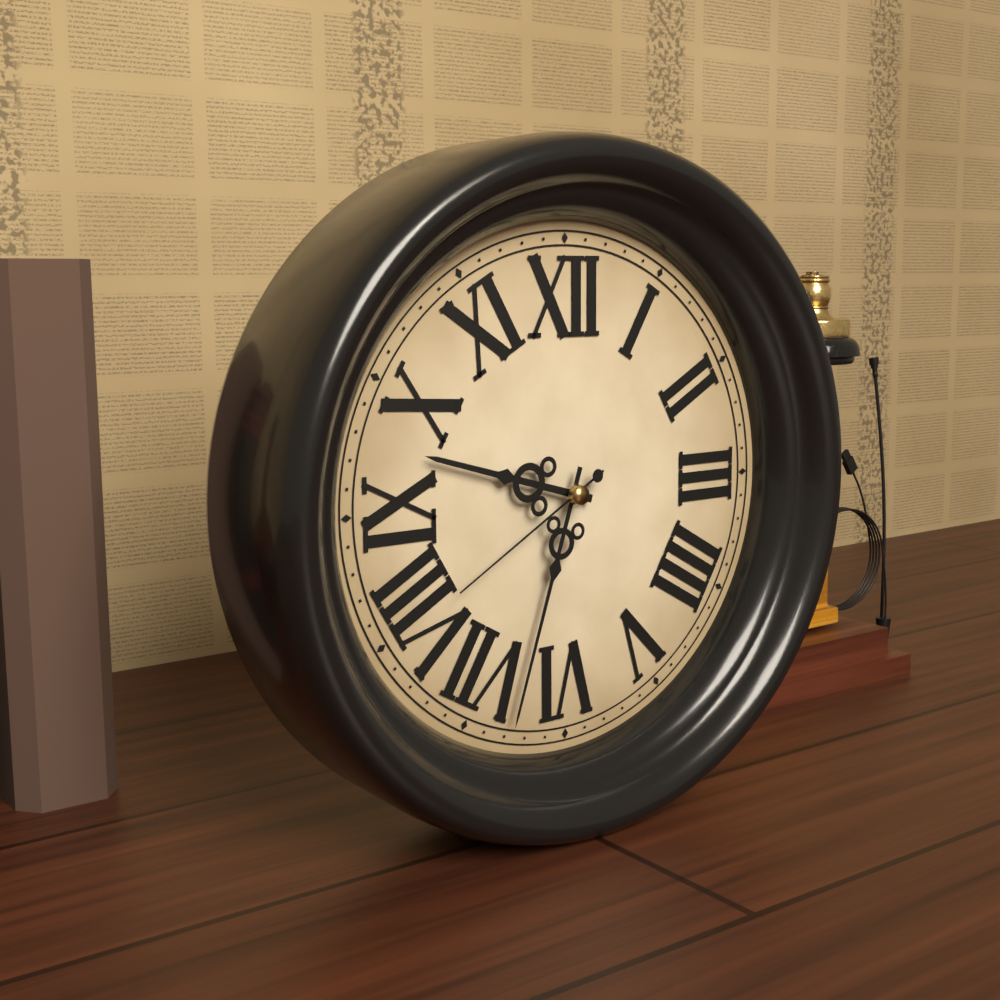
9:33:40
